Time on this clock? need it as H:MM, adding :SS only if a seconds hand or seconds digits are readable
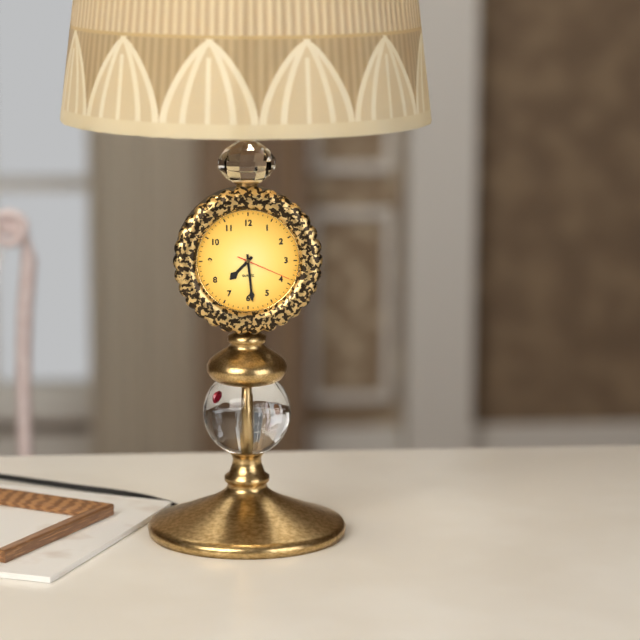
7:29:19
